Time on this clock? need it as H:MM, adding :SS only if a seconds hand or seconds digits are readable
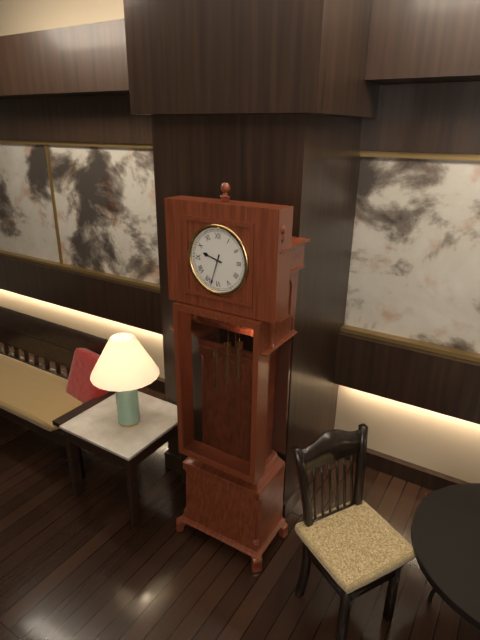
9:33
